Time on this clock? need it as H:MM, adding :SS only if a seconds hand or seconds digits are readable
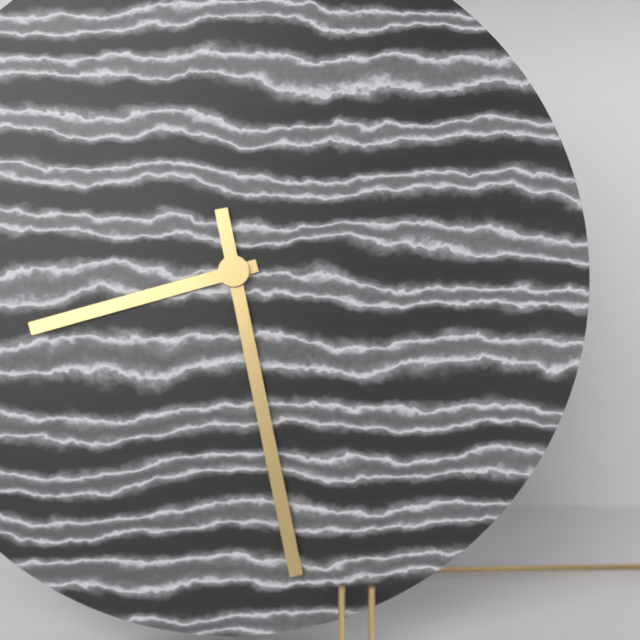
8:28
